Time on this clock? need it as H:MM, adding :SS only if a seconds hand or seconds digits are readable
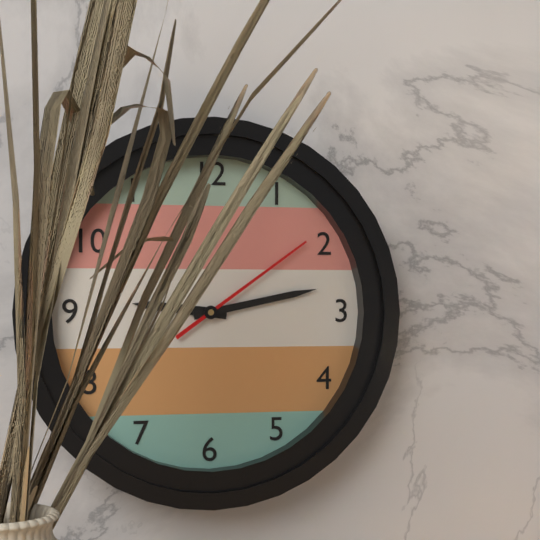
9:13:09
